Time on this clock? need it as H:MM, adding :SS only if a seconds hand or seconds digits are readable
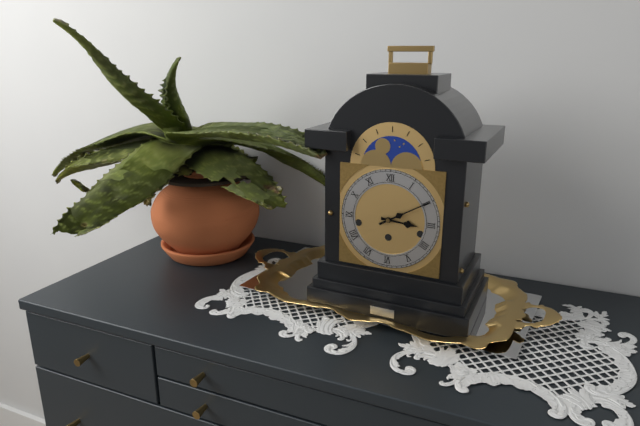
3:10
